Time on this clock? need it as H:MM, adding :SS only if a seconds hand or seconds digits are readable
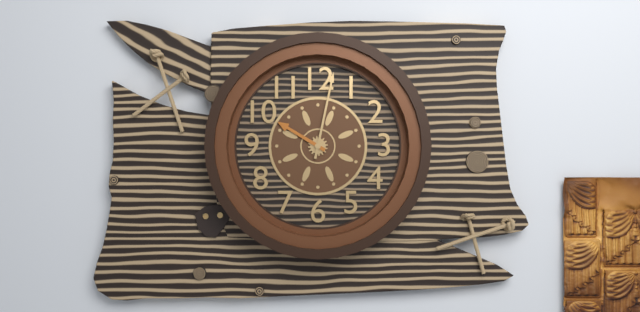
10:02
